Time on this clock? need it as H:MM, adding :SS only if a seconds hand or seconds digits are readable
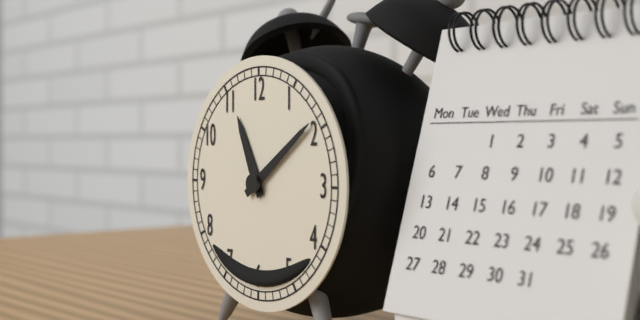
11:09
